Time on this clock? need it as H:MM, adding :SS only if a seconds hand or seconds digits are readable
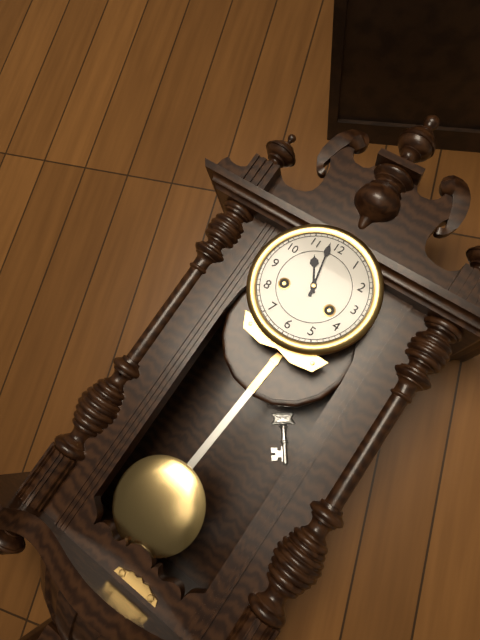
10:58
